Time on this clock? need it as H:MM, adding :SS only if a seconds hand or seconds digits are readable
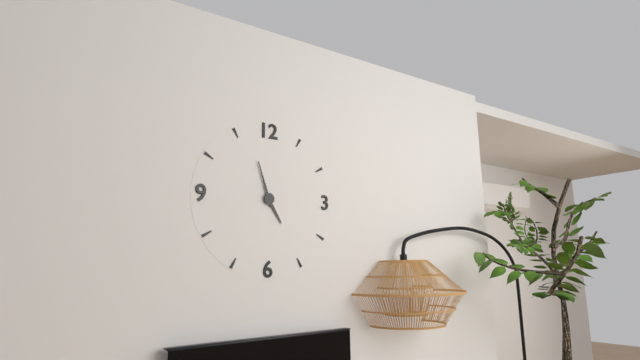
4:57
